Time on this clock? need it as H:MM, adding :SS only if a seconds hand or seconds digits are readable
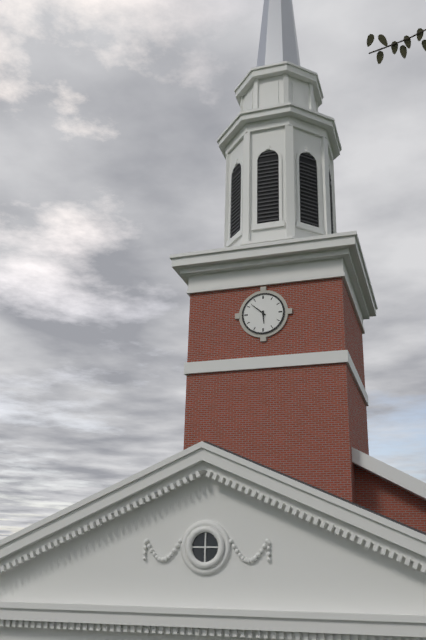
5:52
